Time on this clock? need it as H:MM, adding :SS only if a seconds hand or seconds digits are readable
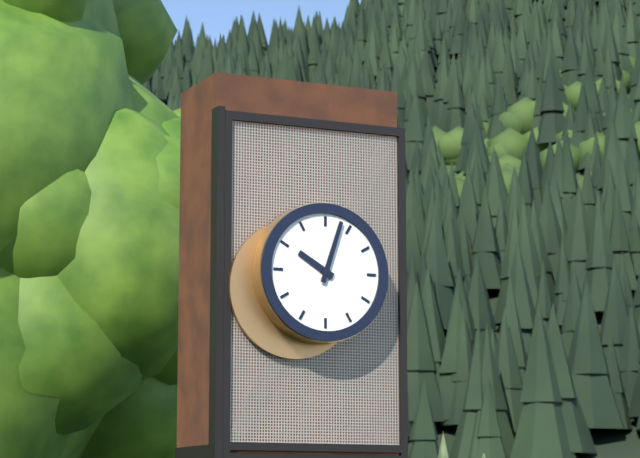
10:03
